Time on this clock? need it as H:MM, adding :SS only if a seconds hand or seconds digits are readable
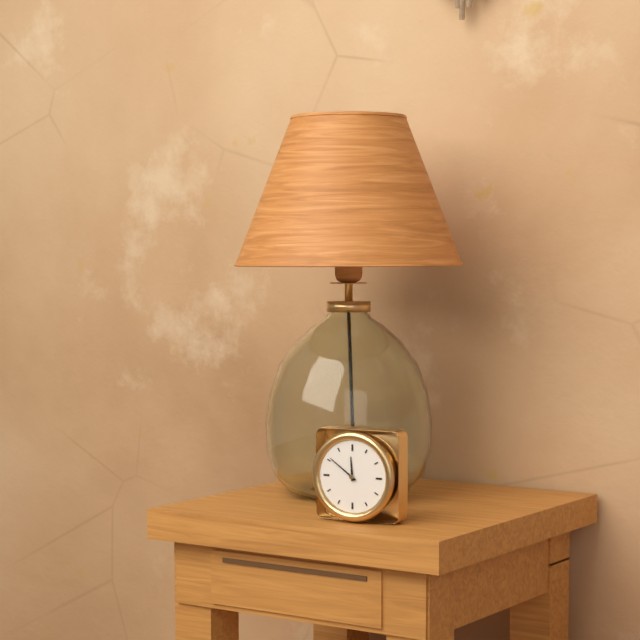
11:51
